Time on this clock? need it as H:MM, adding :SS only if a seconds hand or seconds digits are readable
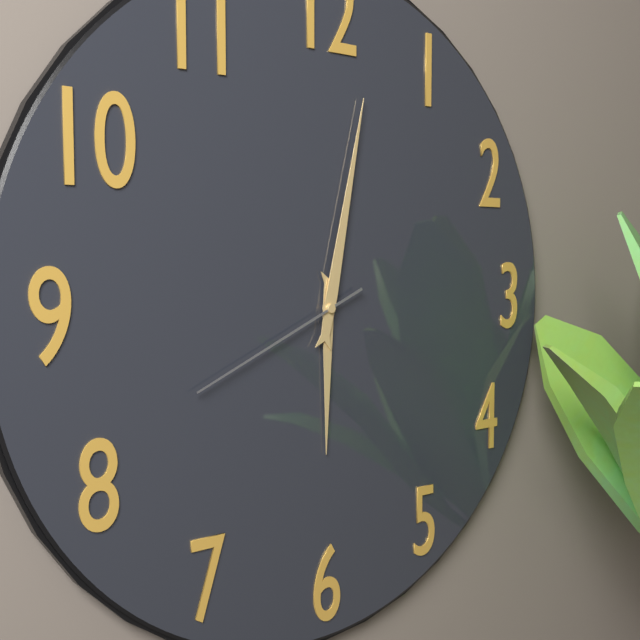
6:02:41
